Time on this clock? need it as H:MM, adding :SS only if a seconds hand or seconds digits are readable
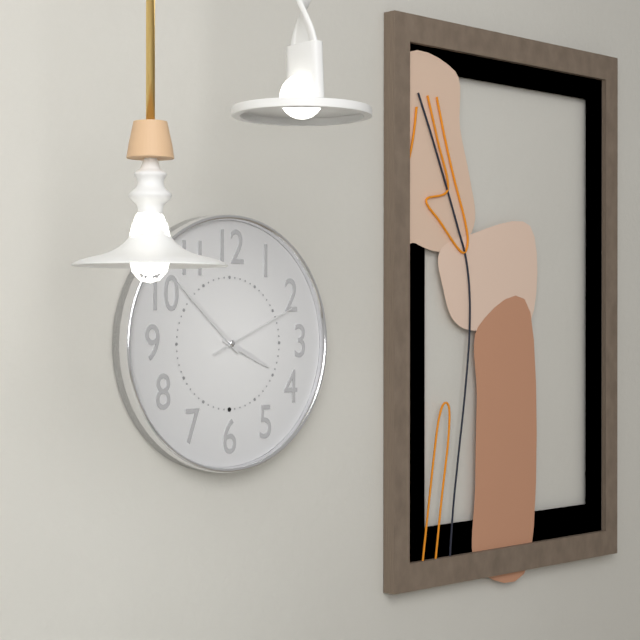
3:52:11
